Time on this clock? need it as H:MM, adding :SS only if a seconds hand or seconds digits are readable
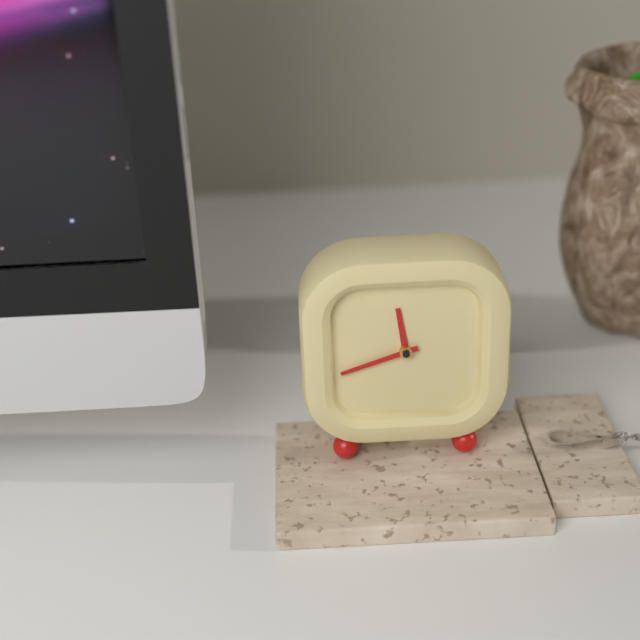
11:42
